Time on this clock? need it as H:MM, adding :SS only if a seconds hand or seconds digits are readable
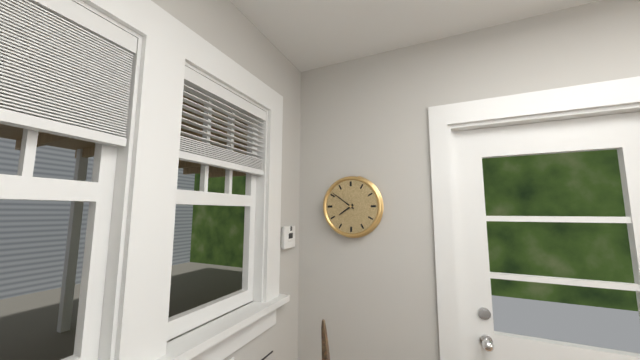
7:51
